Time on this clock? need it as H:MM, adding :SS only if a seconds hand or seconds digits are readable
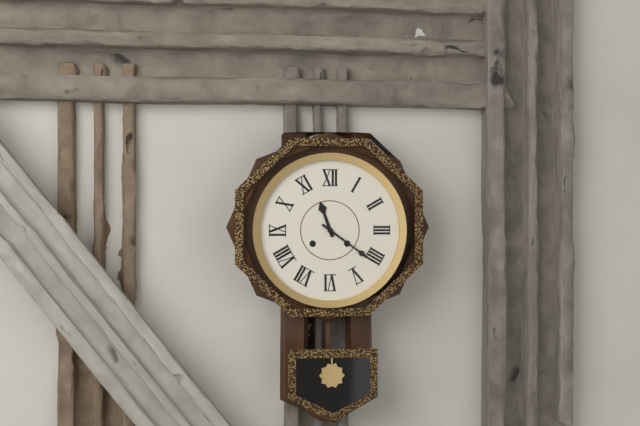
11:21
